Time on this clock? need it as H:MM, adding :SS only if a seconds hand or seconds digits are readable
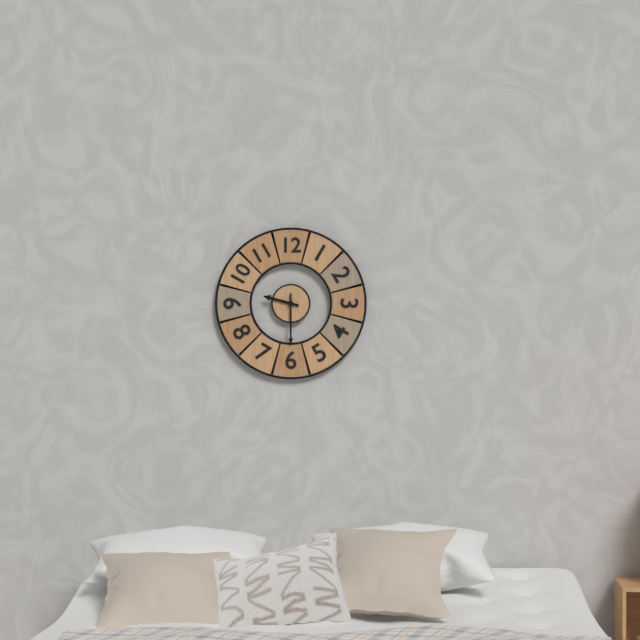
9:30
